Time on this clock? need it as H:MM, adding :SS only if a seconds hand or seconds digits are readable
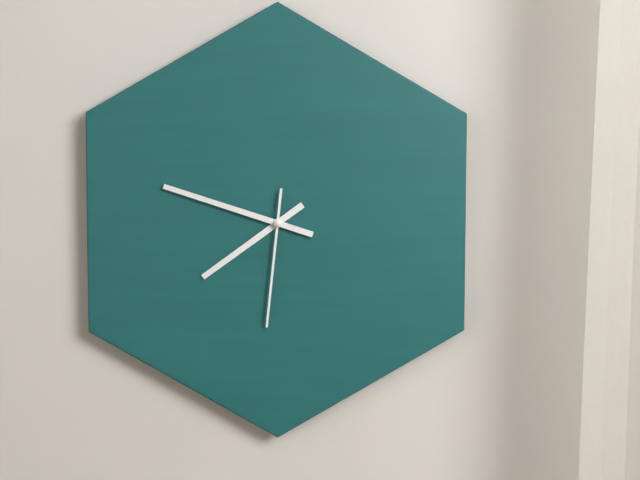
7:48:31
